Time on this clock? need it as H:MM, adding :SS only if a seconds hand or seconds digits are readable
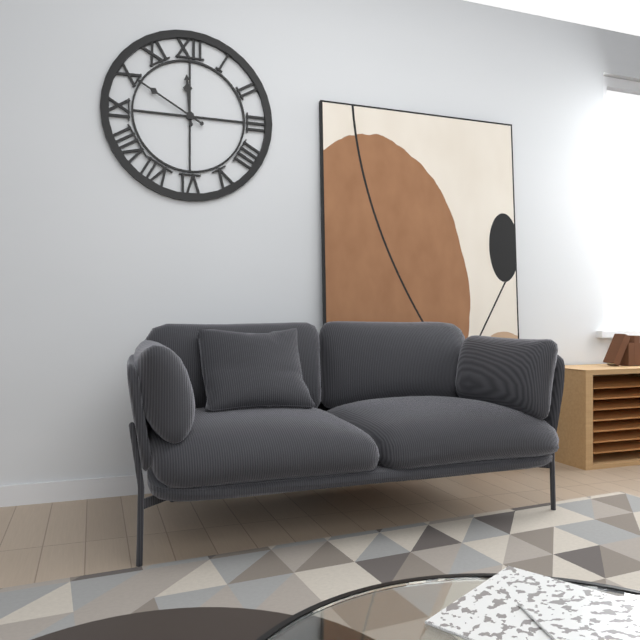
11:50
